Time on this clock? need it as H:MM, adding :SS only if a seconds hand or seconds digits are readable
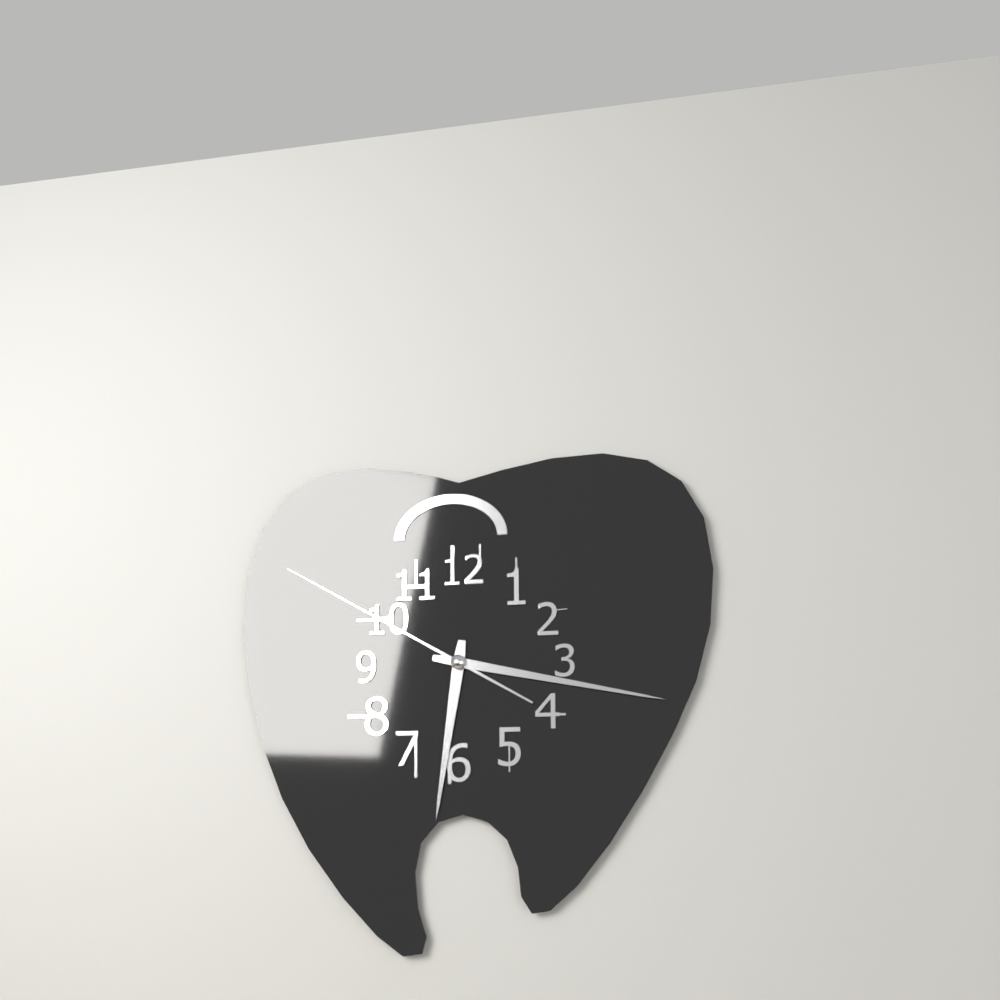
6:17:50
